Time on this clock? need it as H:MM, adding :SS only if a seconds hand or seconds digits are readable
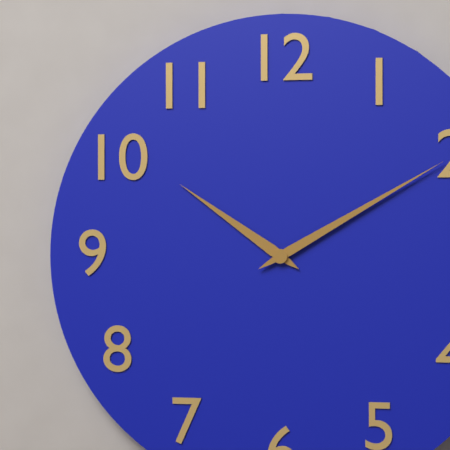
10:10
